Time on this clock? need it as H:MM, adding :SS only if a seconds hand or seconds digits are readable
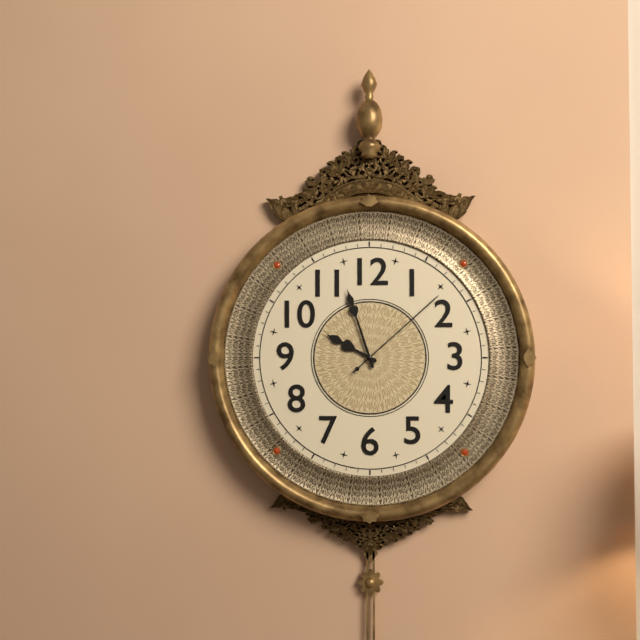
9:57:08
